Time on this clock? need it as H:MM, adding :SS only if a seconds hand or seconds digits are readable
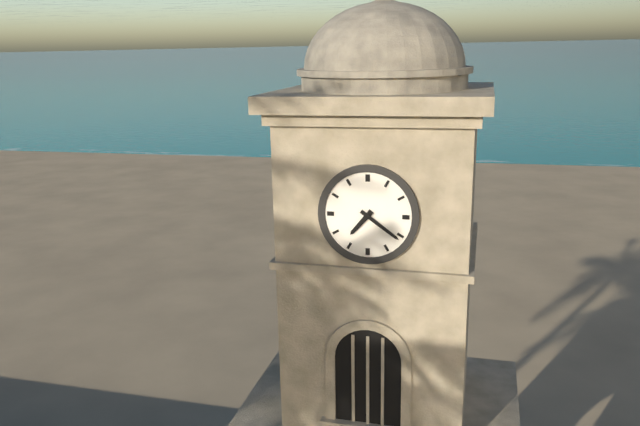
7:21
